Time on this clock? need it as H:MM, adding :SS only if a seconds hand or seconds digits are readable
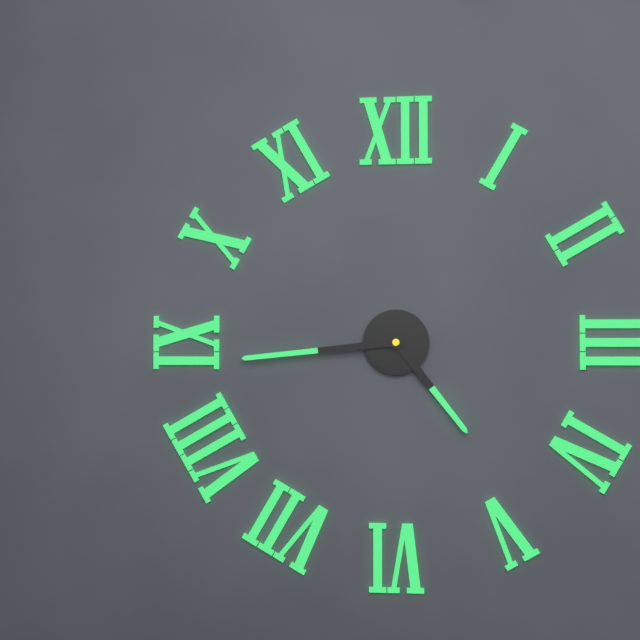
4:44
